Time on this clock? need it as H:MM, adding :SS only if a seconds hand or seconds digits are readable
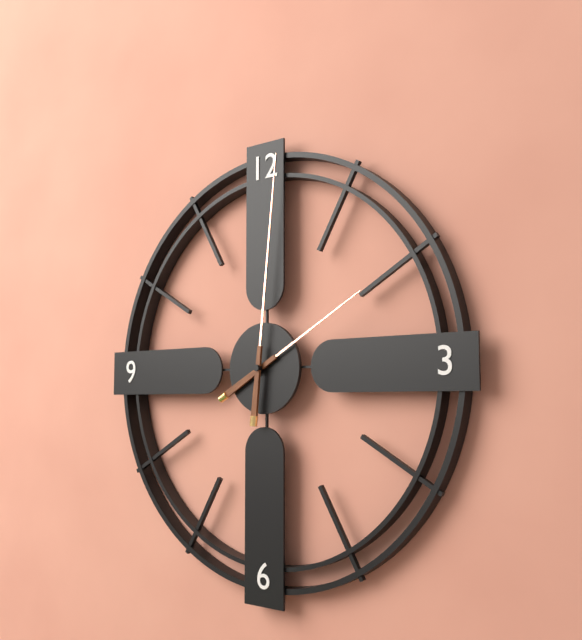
2:01
